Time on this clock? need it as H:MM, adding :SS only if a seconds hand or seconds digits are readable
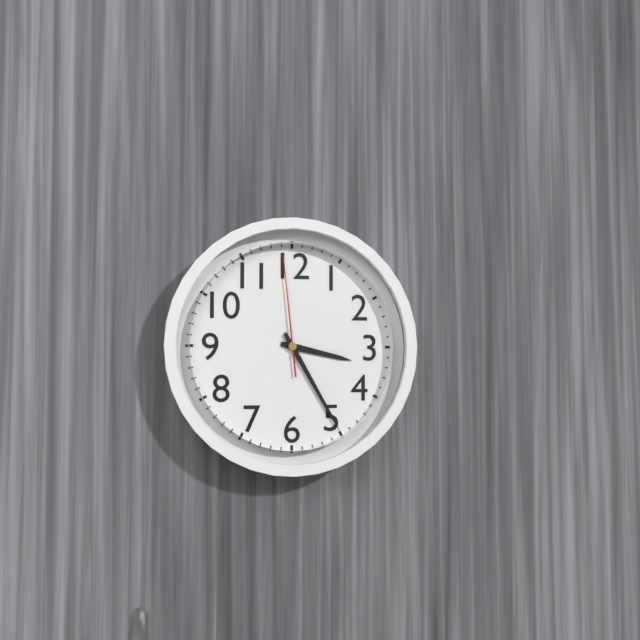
3:25:59
